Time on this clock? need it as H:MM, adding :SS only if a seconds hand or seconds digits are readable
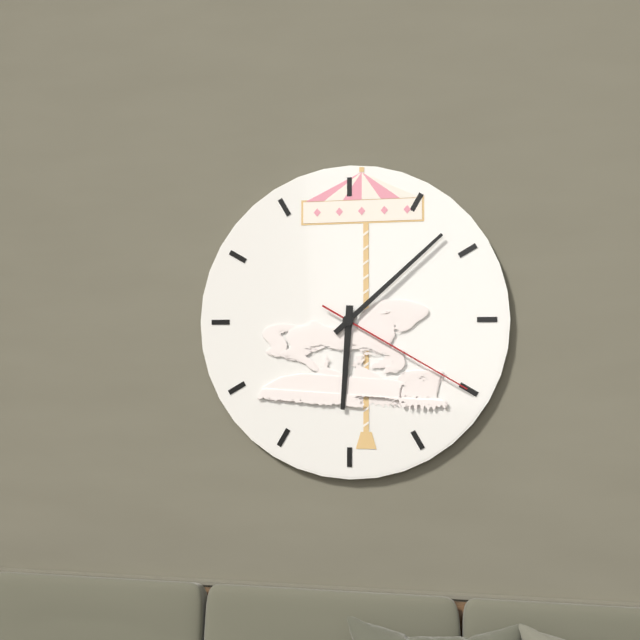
6:08:20
